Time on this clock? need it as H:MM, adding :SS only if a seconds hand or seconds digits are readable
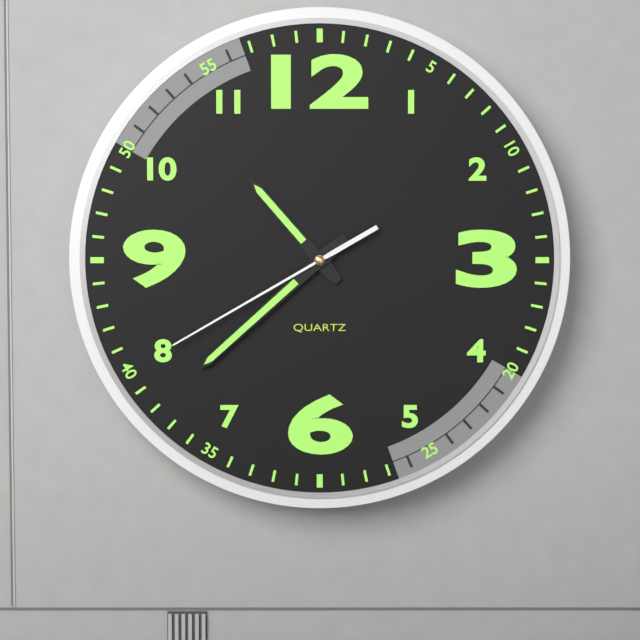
10:38:40
